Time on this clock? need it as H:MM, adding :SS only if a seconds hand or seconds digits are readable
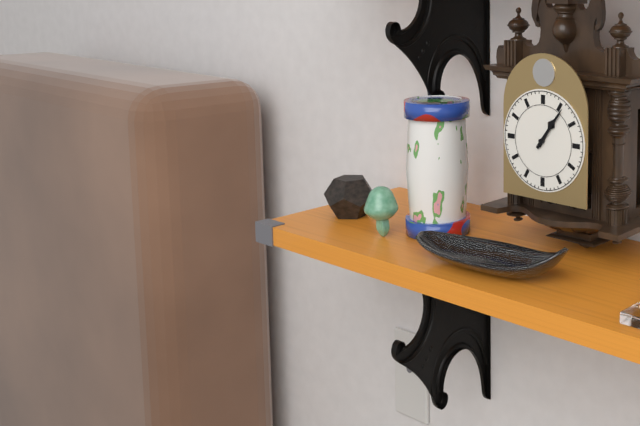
1:06
